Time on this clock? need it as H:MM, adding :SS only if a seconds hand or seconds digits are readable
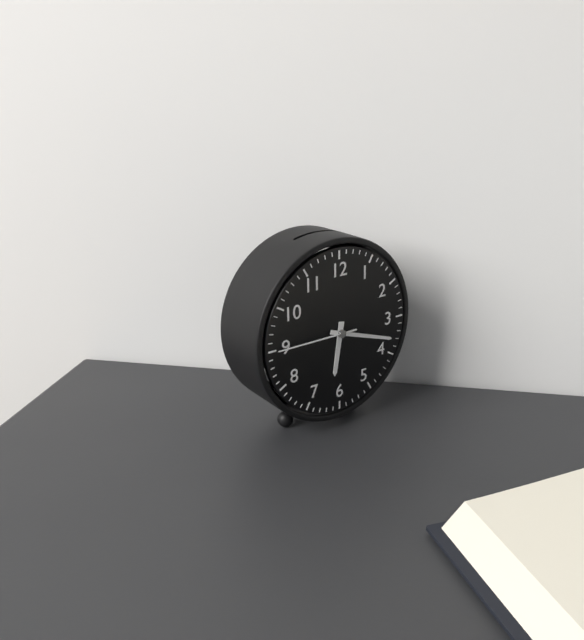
6:18:45
